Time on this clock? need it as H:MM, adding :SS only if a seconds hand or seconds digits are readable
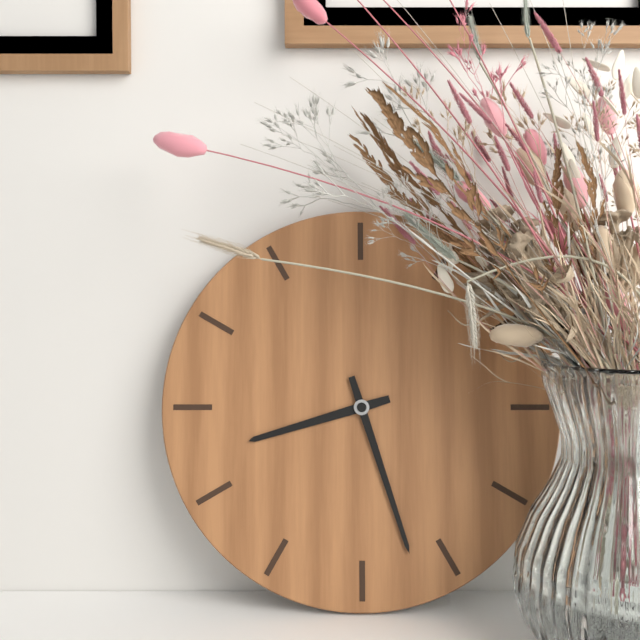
8:27
